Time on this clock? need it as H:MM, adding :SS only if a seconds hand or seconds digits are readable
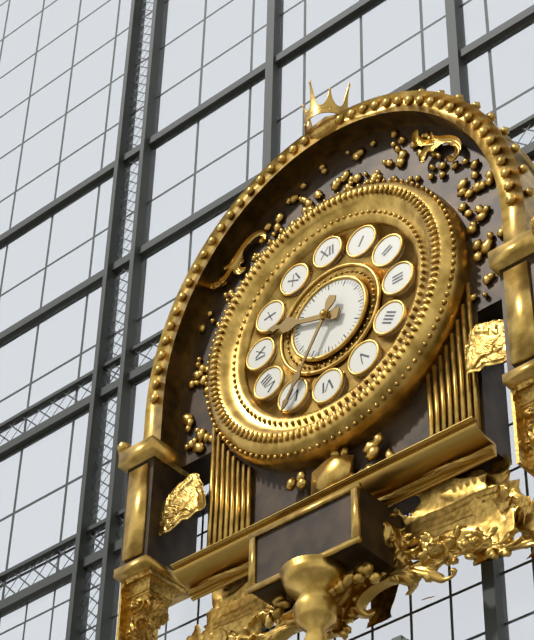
9:35
